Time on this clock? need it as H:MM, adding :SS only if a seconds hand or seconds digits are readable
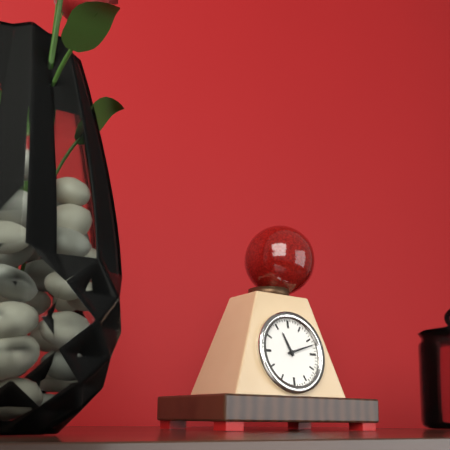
11:12
